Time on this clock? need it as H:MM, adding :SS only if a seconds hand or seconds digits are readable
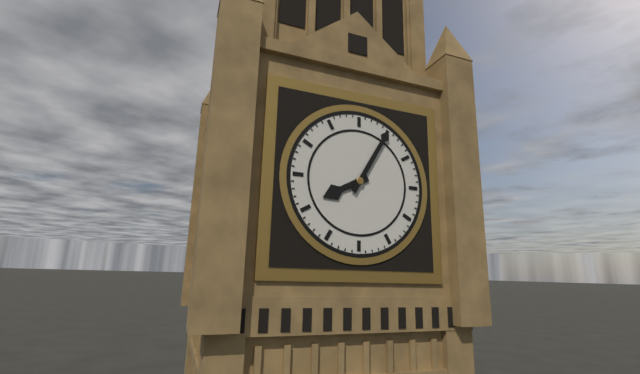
8:05
